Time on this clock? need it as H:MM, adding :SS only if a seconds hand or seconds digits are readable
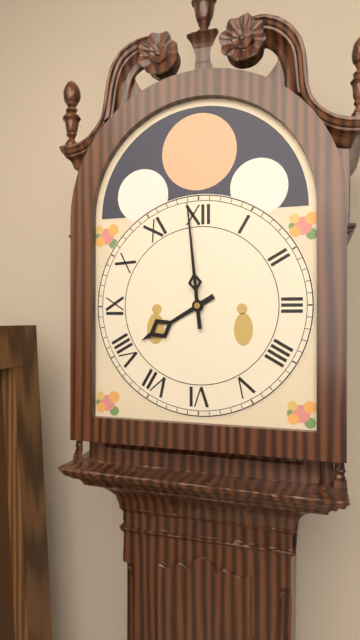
7:59
